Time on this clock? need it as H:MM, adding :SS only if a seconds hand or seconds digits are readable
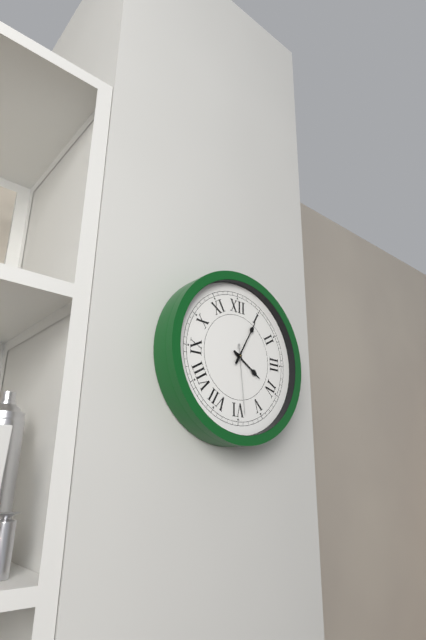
4:05:29
